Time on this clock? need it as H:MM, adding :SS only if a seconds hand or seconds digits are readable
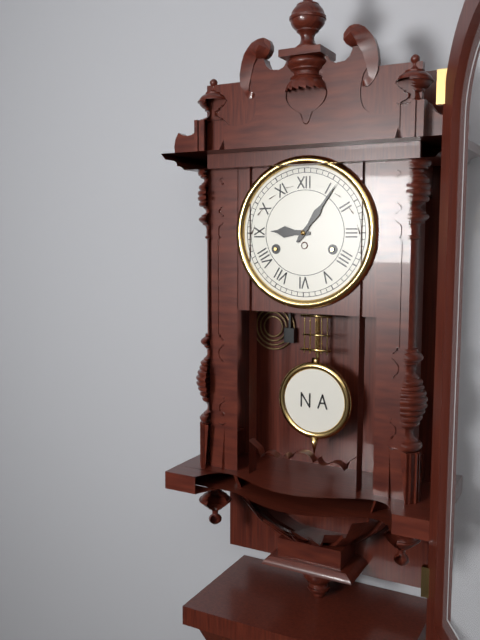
9:06
